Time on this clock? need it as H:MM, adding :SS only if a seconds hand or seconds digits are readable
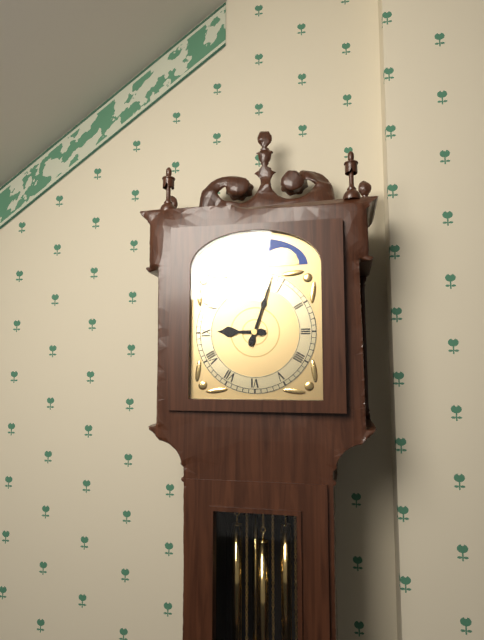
9:03
